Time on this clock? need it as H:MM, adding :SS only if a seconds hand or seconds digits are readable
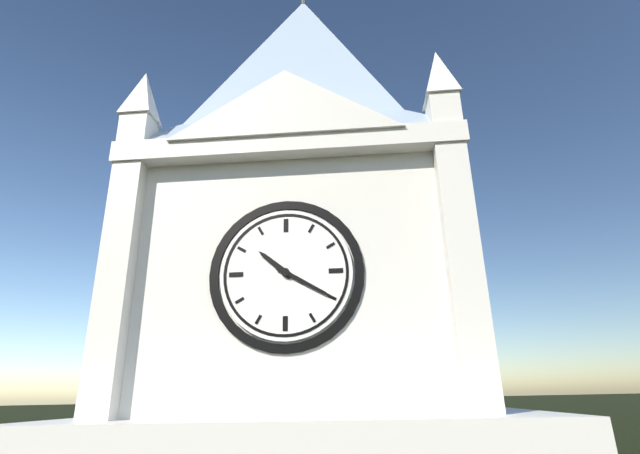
10:20
